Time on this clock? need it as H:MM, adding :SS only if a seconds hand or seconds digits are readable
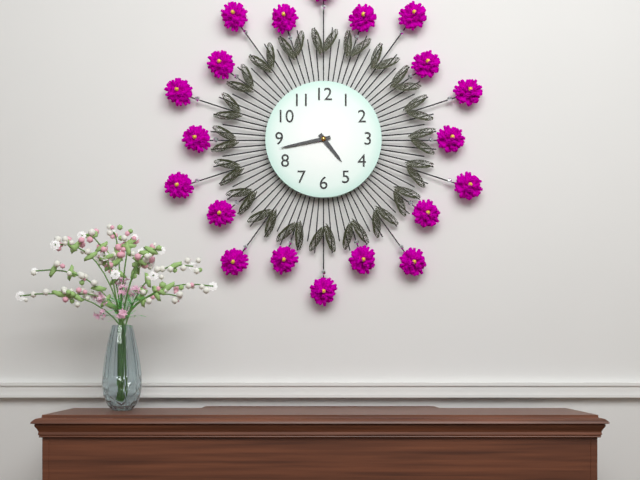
4:43
